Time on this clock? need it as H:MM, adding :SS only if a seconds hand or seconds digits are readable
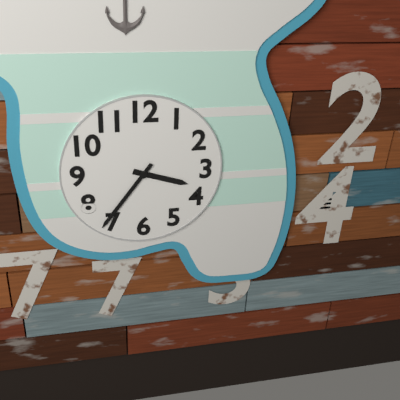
3:36
